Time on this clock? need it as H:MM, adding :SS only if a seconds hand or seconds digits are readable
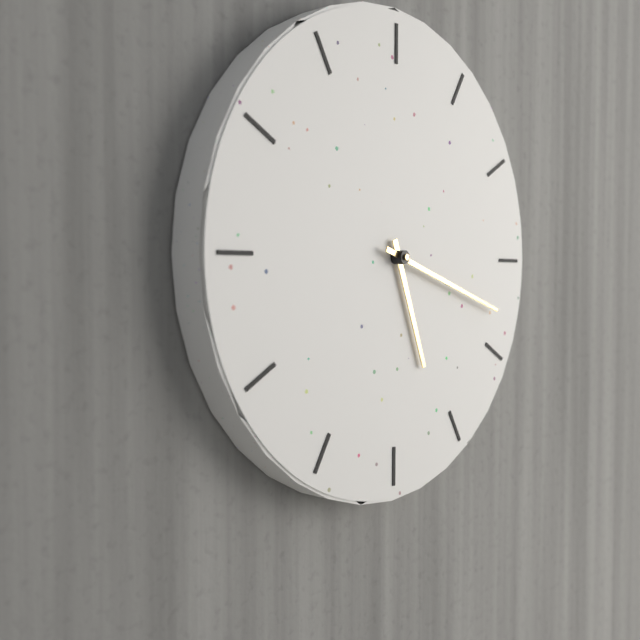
5:18
